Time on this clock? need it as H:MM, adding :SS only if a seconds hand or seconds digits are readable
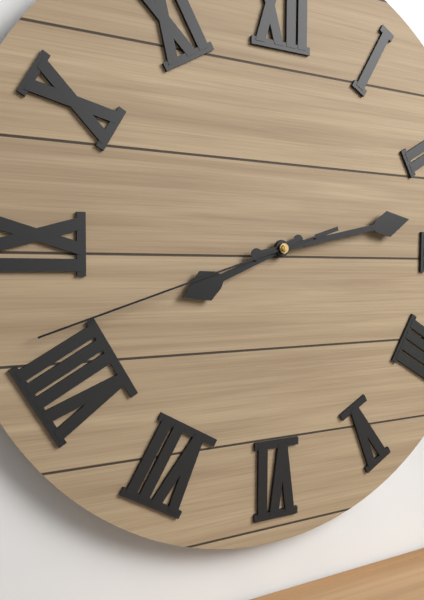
8:13:42
